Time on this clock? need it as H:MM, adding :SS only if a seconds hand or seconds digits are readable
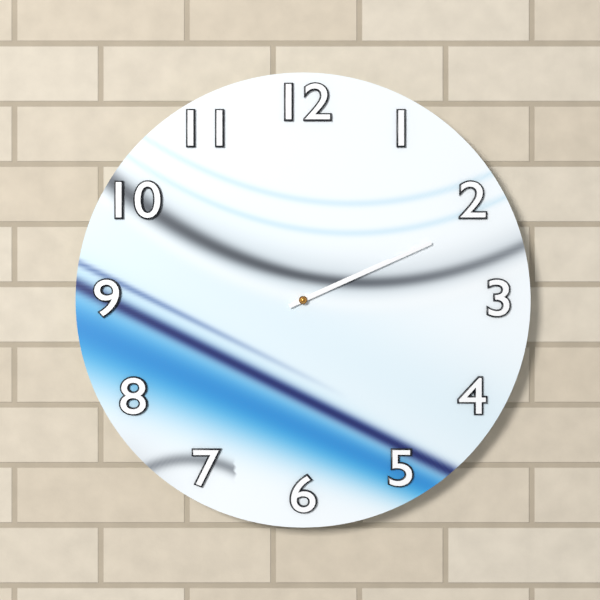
2:11
